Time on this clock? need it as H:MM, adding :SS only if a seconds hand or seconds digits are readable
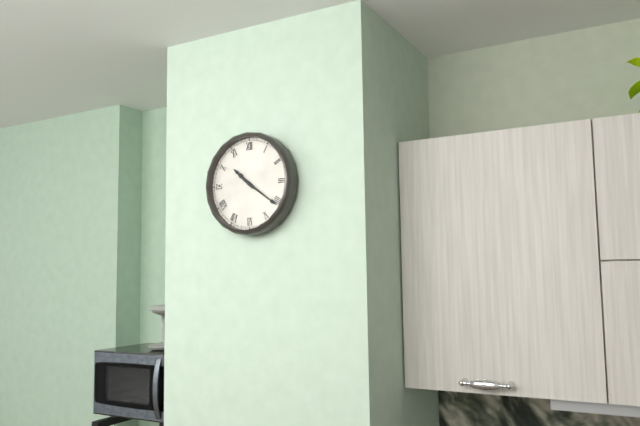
10:21
